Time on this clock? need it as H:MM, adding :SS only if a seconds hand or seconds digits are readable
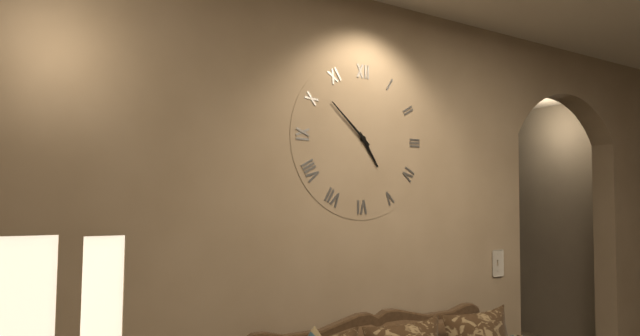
4:52
